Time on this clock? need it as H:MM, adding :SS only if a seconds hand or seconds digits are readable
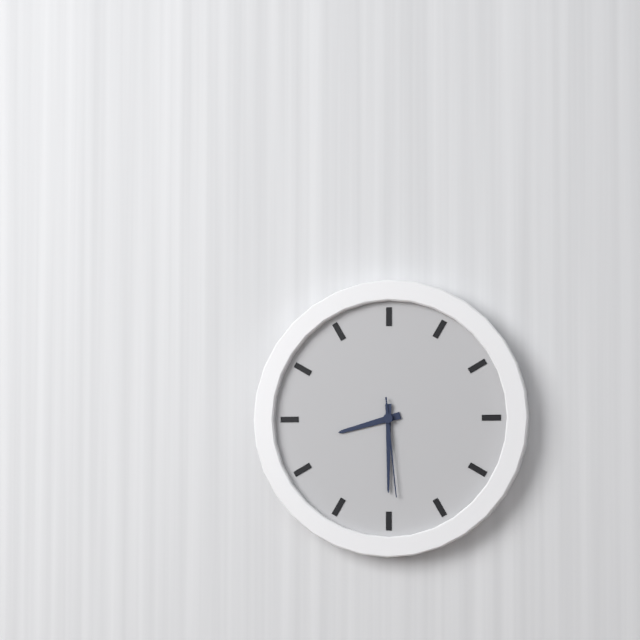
8:30:29
